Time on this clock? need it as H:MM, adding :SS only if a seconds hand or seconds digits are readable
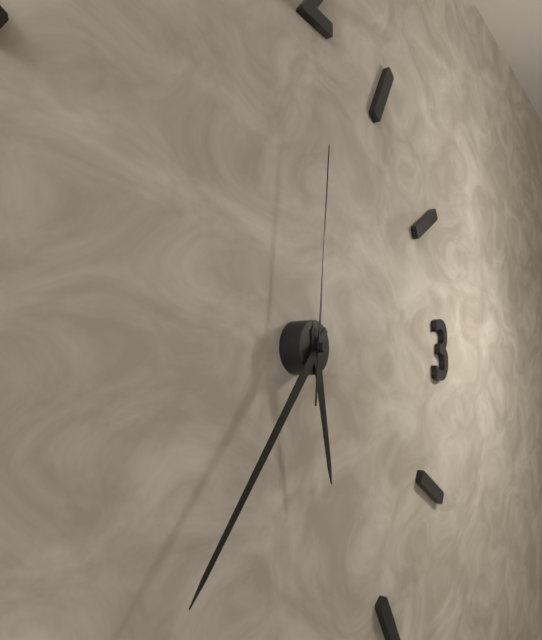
5:37:01
